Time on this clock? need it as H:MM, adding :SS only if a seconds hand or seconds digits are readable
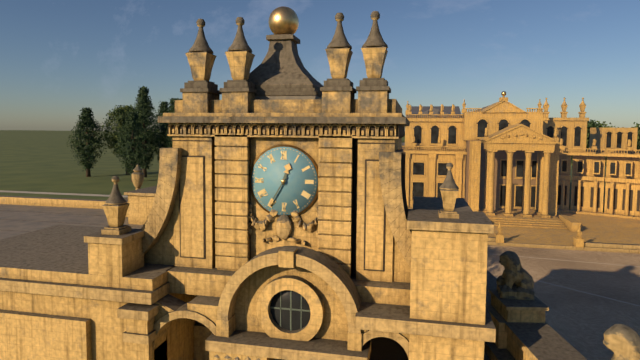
12:35
